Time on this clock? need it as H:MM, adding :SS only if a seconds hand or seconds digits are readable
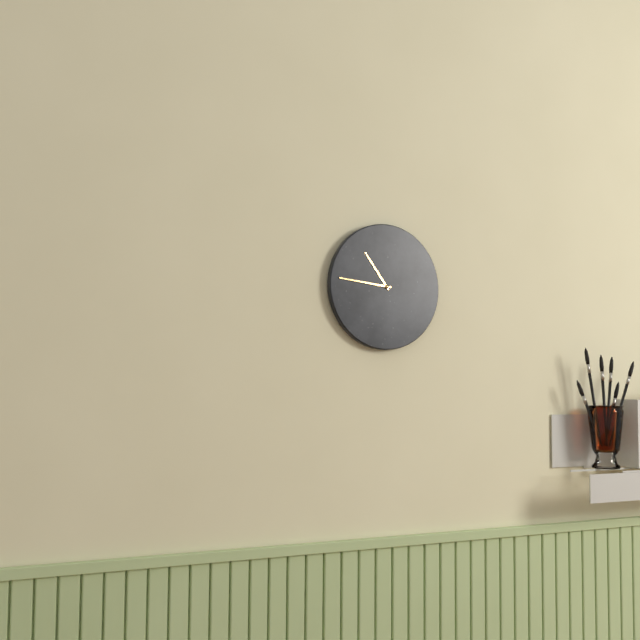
10:46
